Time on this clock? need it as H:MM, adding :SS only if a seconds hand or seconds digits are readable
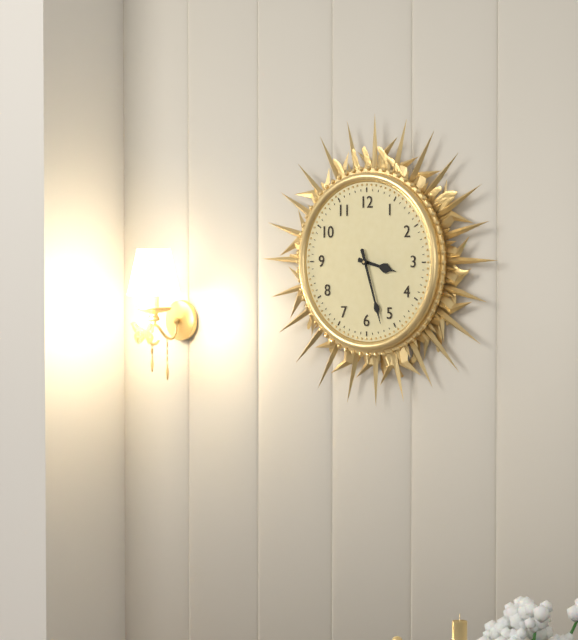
3:27
